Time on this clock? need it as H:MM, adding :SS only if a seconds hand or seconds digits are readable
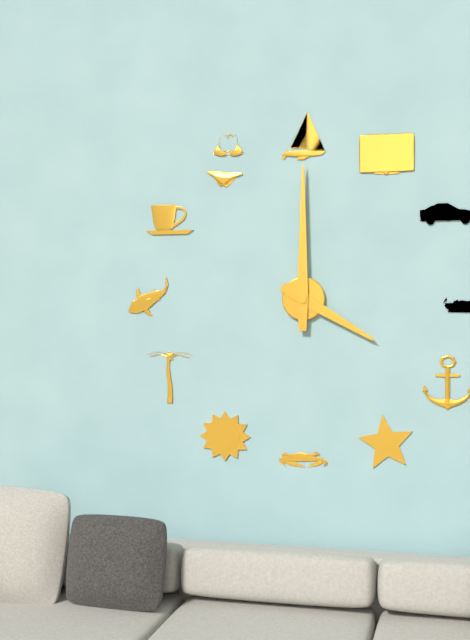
4:00
